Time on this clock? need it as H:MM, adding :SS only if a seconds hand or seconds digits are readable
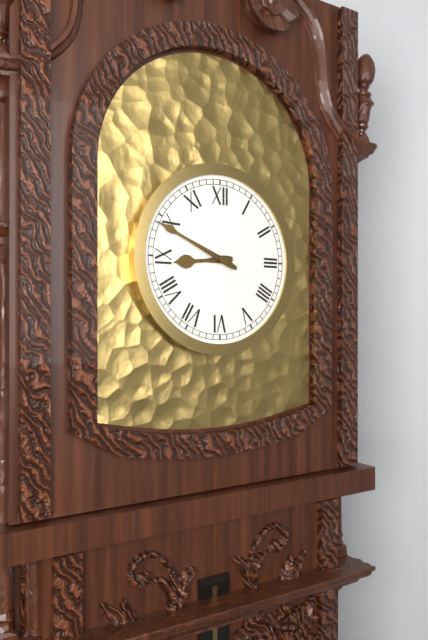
8:49
